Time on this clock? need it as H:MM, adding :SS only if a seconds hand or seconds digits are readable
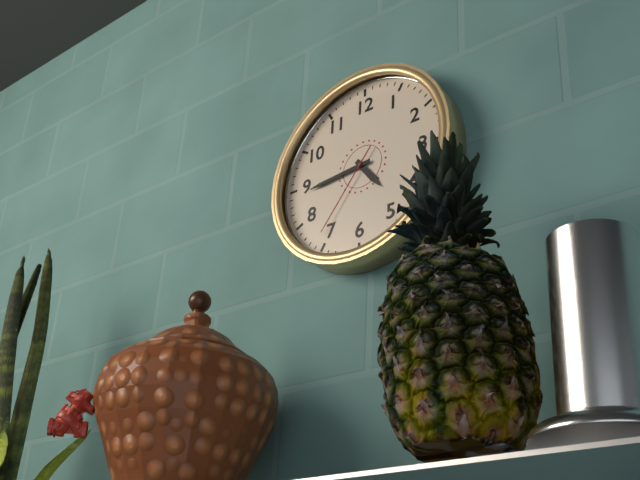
4:44:36
